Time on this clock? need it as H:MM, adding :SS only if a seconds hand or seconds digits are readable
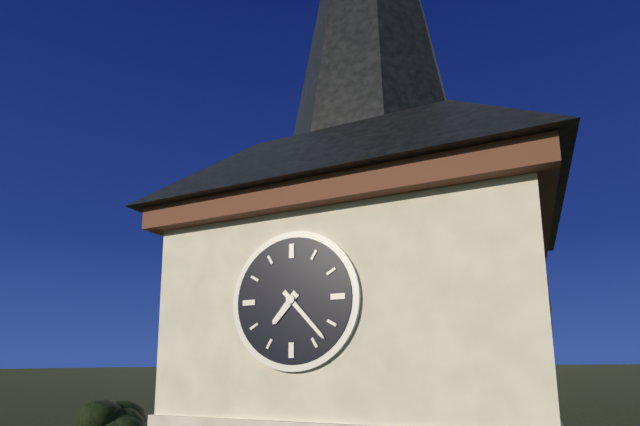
7:23
